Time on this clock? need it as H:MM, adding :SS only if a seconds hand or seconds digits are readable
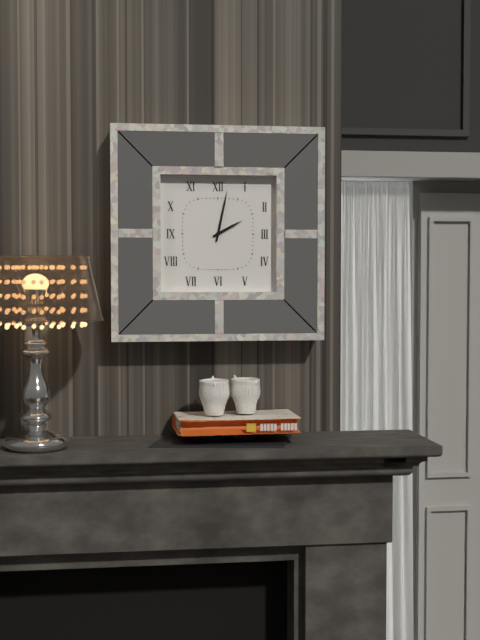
2:02
